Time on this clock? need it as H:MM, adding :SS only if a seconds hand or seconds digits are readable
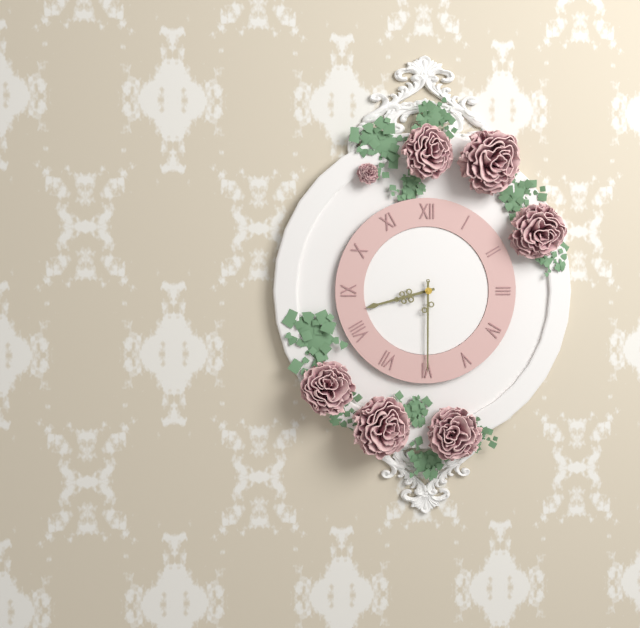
8:30
